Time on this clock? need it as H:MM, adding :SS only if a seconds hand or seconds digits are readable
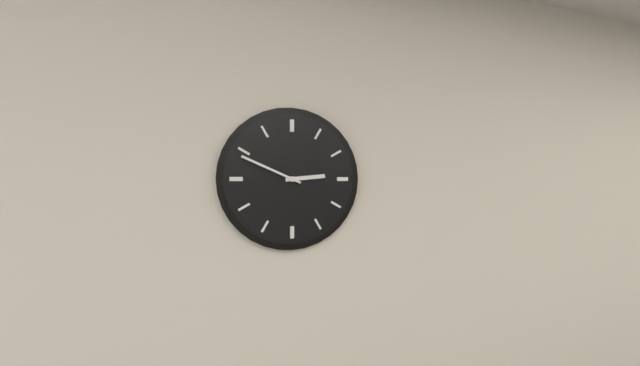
2:49
